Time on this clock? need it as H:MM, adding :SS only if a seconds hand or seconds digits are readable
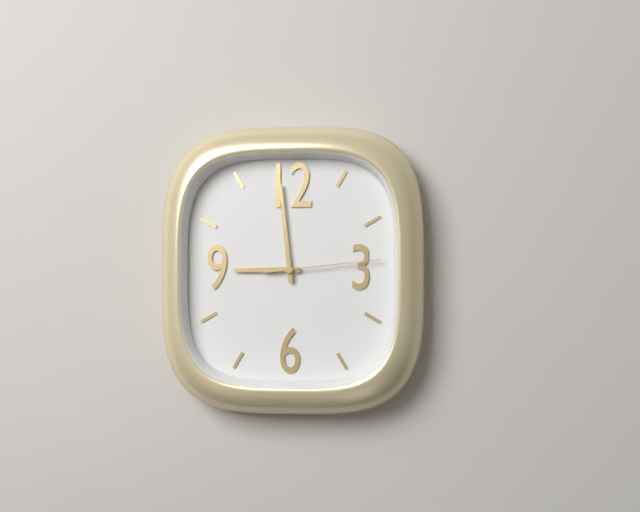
8:59:14
